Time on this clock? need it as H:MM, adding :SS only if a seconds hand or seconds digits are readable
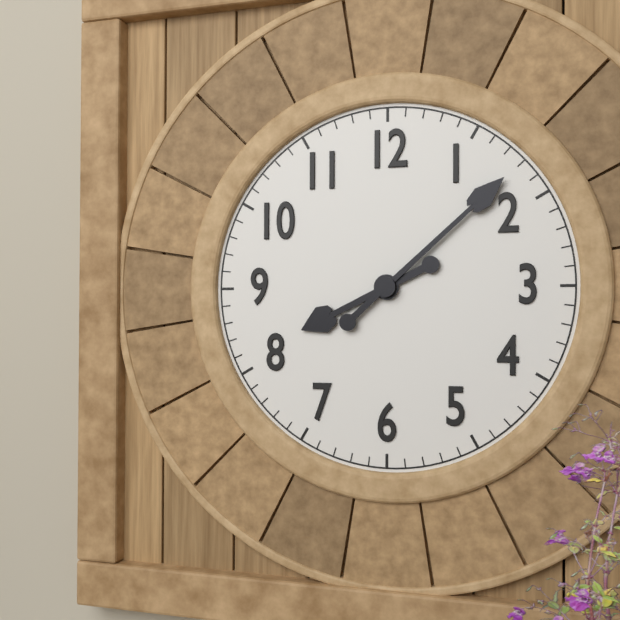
8:08
